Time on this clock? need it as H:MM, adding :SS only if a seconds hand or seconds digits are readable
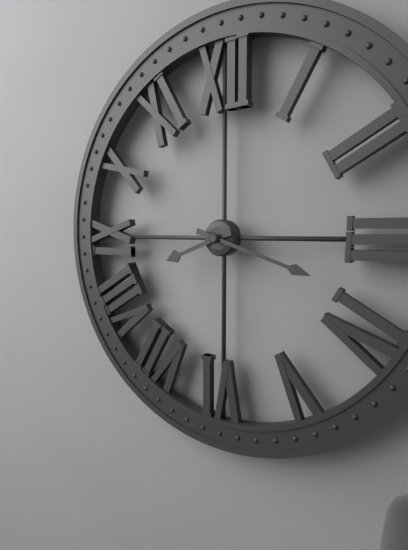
8:18
